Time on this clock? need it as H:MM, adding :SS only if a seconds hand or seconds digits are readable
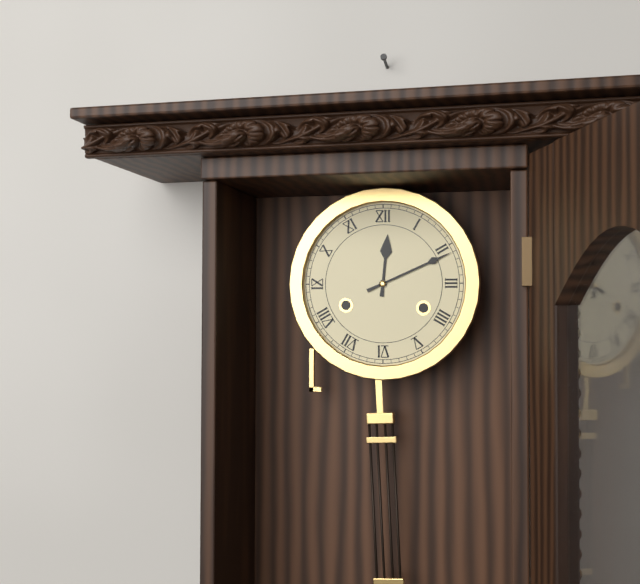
12:11
